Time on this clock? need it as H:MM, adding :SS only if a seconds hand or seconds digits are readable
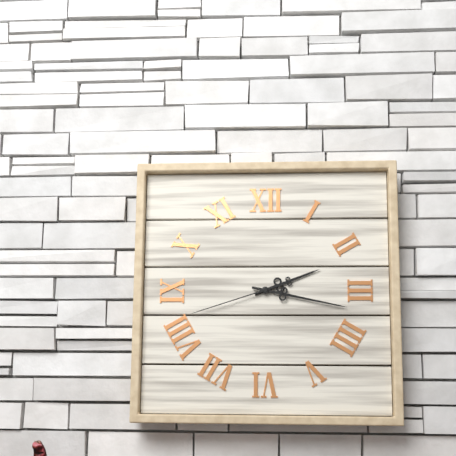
2:17:42
